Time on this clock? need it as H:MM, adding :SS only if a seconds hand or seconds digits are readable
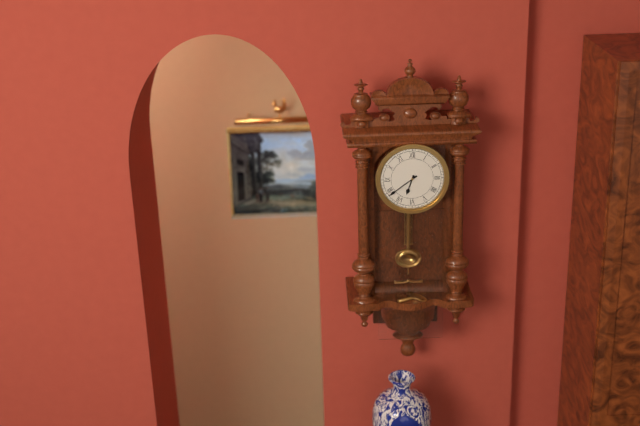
6:39
